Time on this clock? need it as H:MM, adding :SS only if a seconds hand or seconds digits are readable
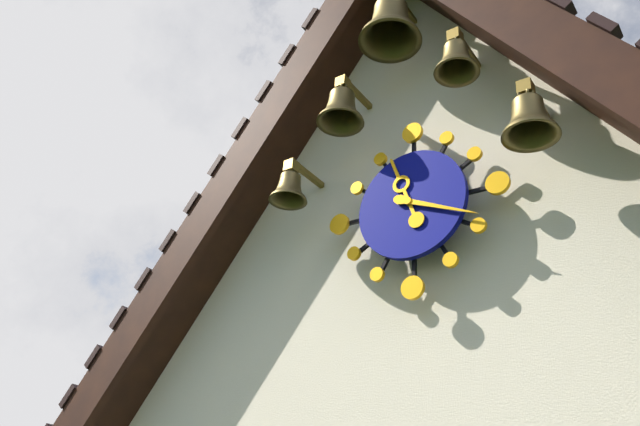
11:19
